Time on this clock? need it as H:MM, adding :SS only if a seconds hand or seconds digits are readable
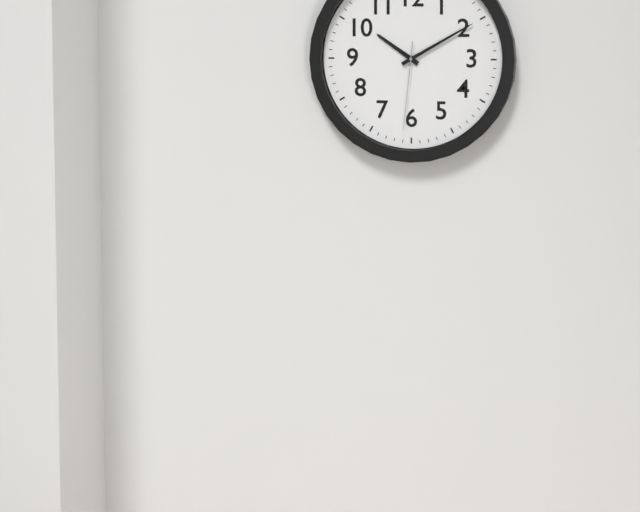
10:10:31
